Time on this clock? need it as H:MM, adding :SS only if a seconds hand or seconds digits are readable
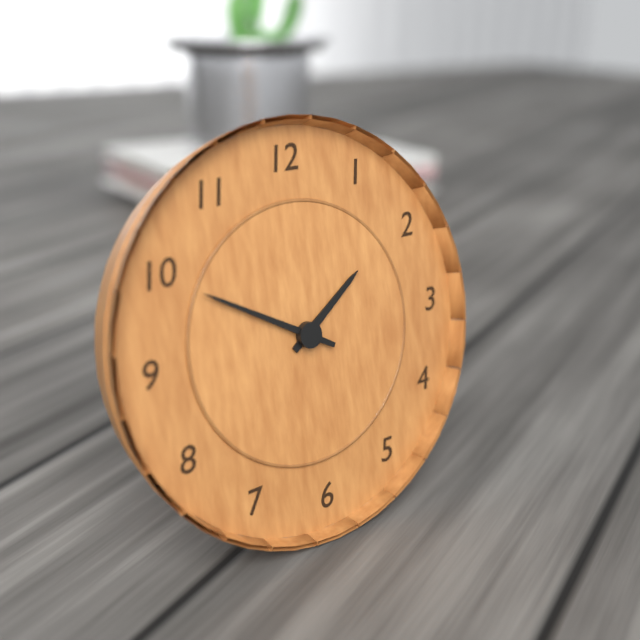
1:50
